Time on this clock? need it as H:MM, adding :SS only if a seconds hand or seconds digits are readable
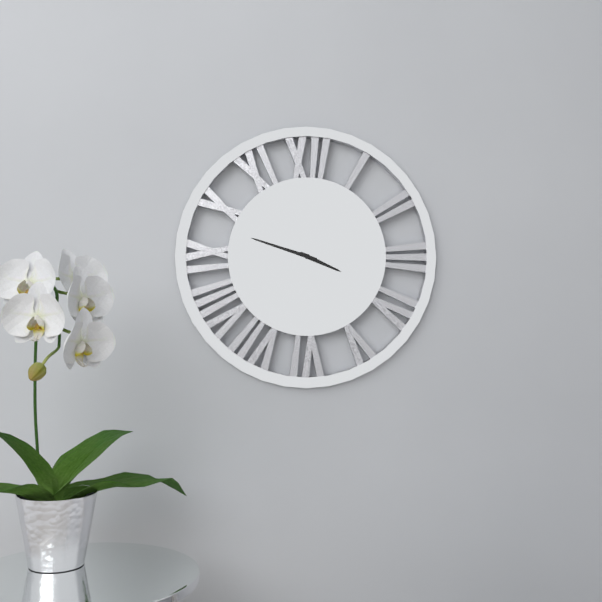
3:48
